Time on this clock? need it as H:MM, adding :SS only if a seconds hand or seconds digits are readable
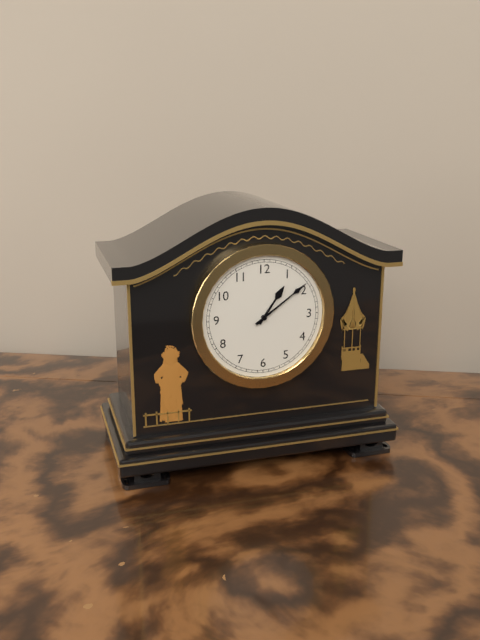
1:09
